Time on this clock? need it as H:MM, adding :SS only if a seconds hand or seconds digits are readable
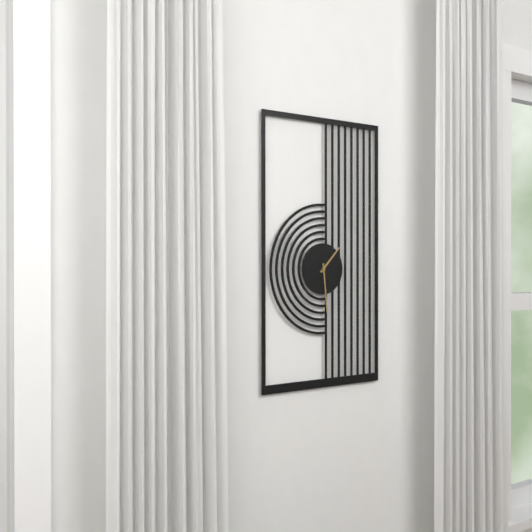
1:29
